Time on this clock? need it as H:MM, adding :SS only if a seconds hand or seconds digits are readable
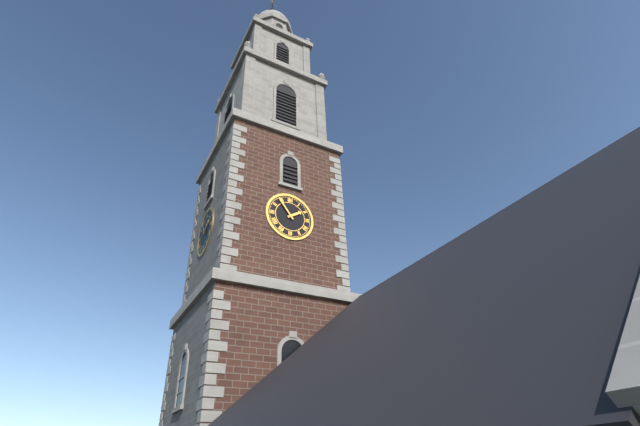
1:54
